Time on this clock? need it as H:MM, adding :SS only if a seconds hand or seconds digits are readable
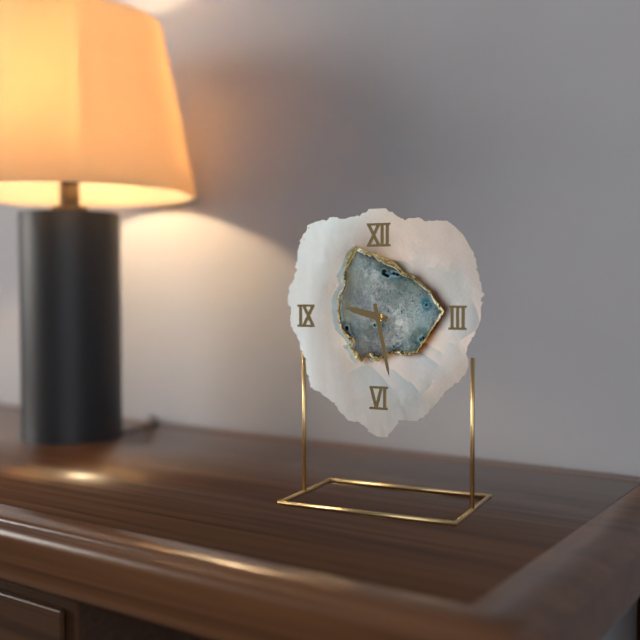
9:28
